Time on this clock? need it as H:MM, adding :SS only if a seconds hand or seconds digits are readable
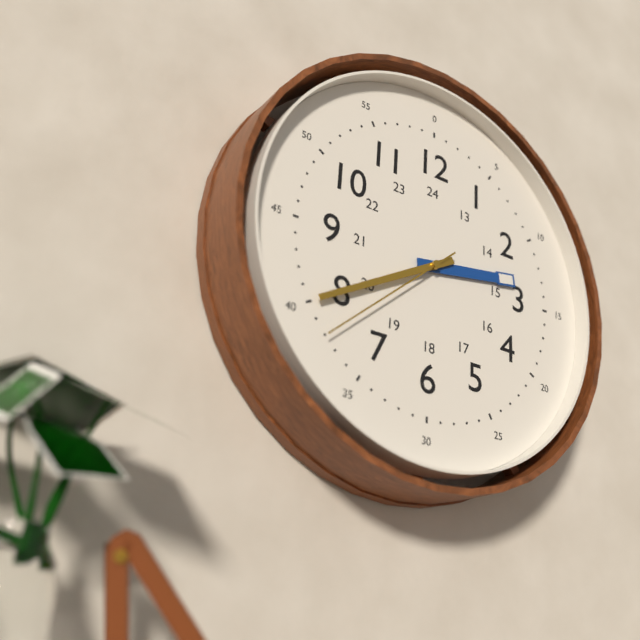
2:40:38
